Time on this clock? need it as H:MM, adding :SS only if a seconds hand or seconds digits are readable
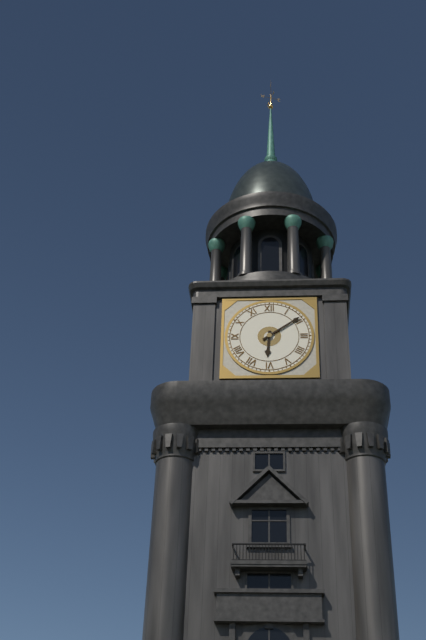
6:09
